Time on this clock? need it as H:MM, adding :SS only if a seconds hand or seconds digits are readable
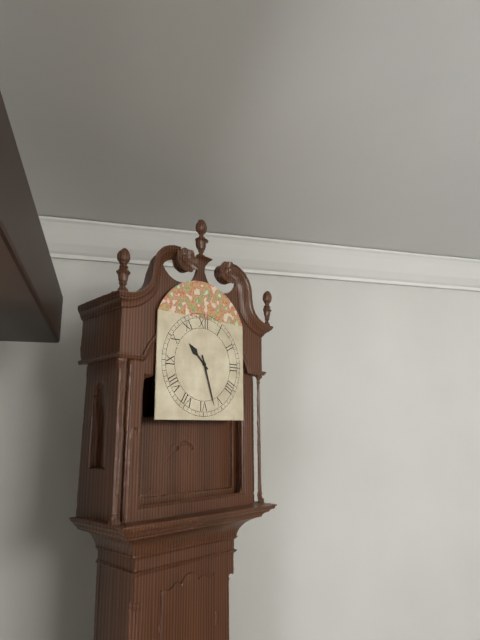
10:27
